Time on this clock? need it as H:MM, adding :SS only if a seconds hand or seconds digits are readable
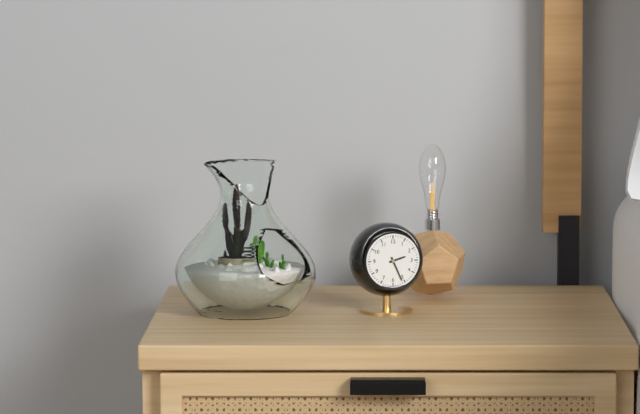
2:26
